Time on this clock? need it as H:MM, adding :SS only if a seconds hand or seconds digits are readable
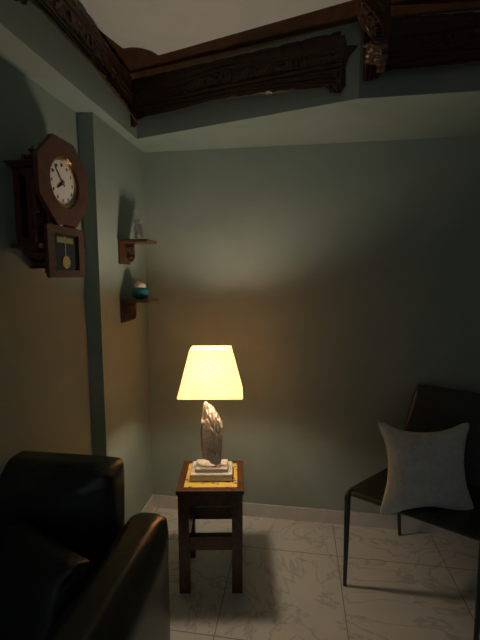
7:53
